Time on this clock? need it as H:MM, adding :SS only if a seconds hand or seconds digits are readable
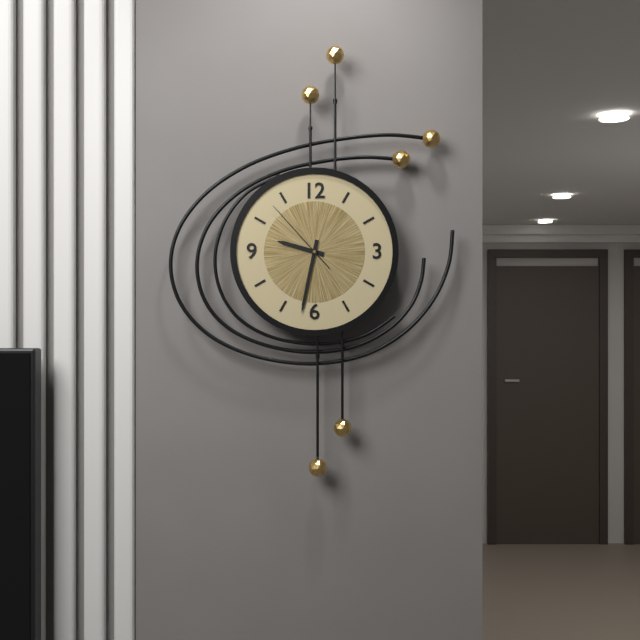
9:32:53
